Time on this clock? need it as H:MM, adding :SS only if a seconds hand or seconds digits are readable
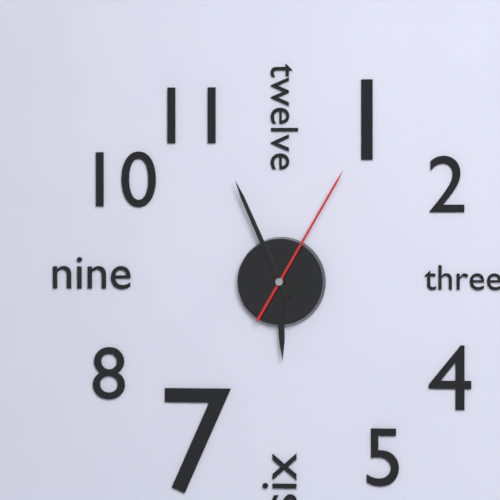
5:56:05
